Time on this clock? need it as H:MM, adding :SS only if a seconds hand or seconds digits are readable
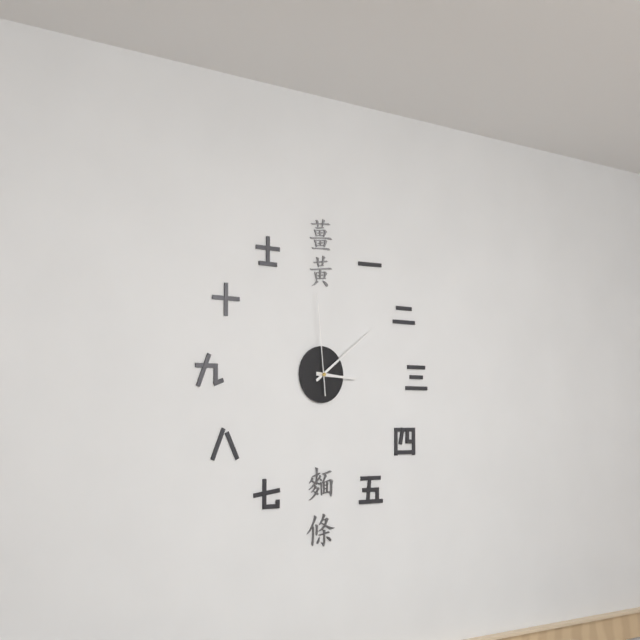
3:09:59
